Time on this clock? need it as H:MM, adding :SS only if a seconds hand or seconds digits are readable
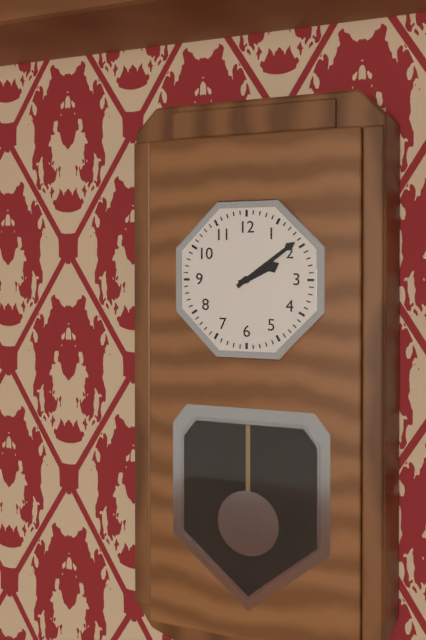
2:09
